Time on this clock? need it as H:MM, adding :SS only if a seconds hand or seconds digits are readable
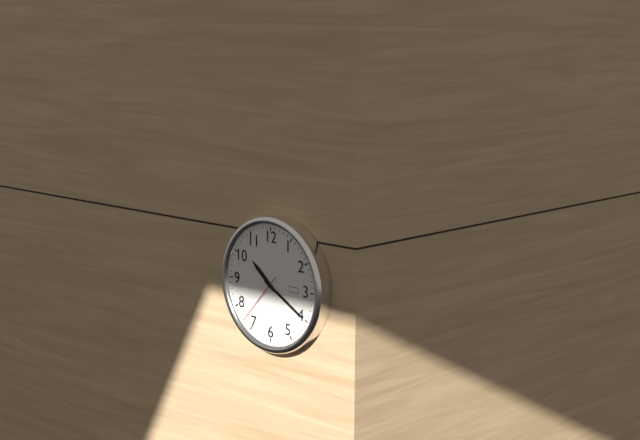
10:20:37
